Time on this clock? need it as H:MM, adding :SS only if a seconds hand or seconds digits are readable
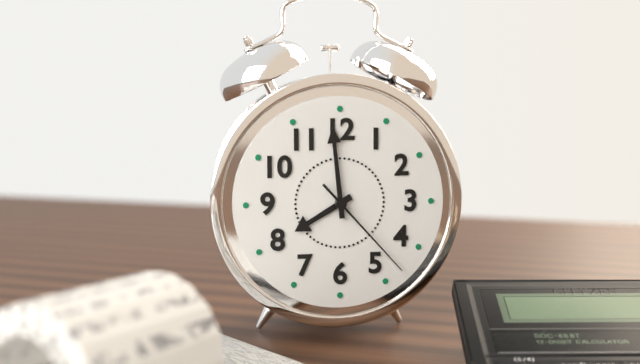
7:59:23
